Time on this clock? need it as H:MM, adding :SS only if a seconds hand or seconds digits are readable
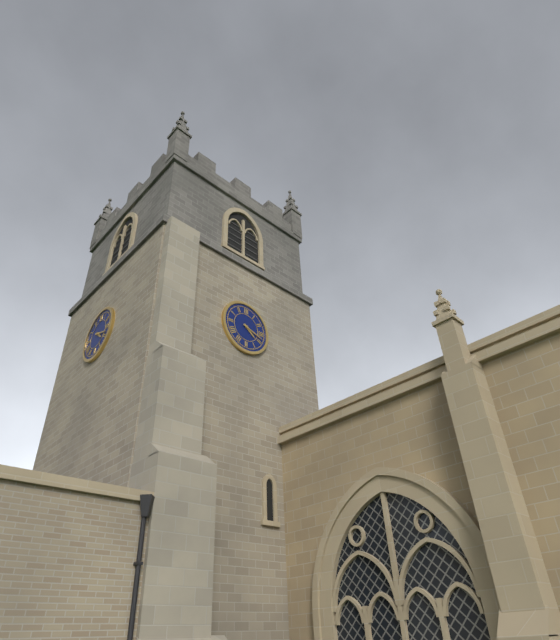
4:18
